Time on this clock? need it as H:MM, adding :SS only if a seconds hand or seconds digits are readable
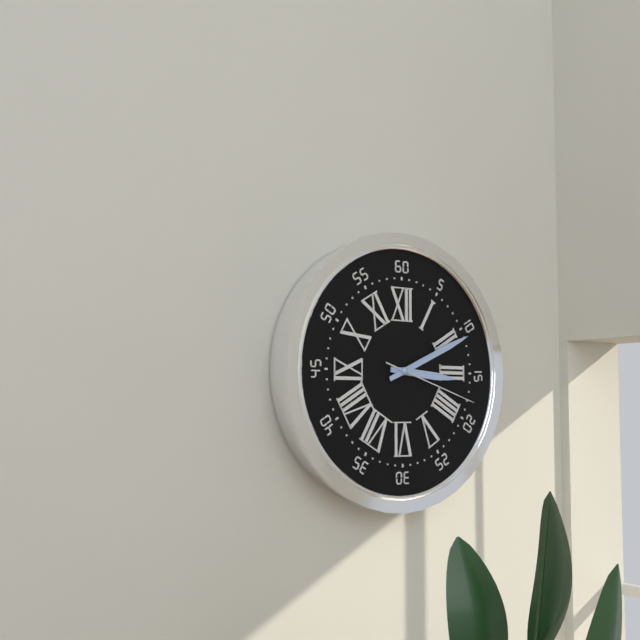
3:11:18
